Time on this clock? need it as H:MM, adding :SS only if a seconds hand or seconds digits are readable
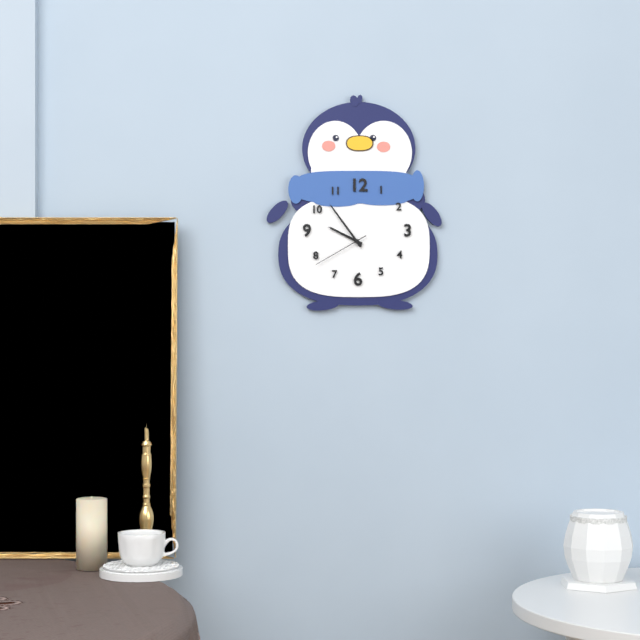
9:54:40
